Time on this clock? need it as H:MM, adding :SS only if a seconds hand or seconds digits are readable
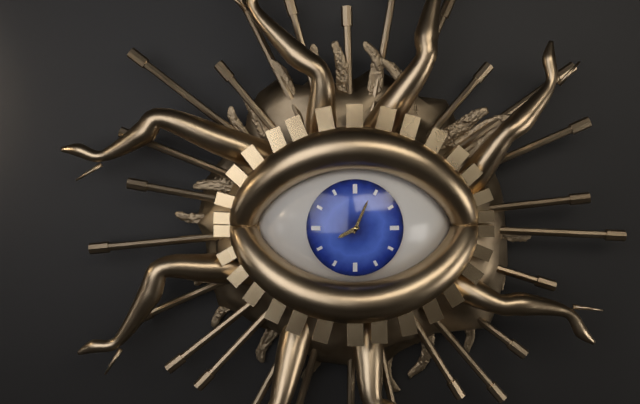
8:04
